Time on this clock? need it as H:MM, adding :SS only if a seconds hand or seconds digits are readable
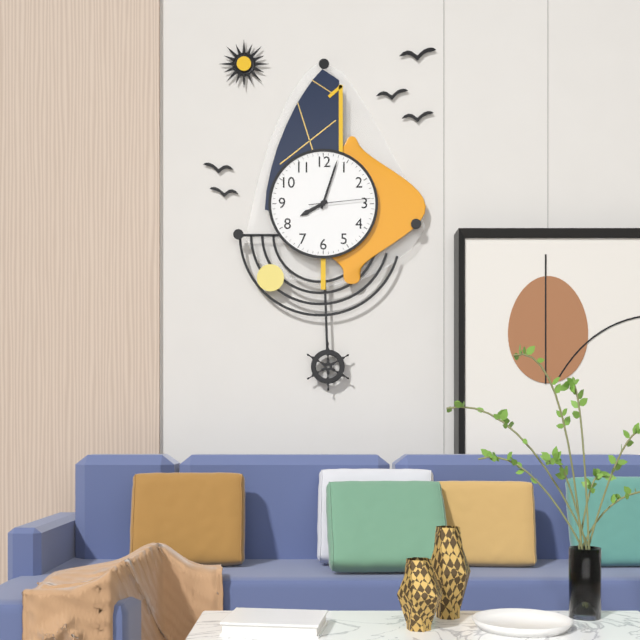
8:03:14
